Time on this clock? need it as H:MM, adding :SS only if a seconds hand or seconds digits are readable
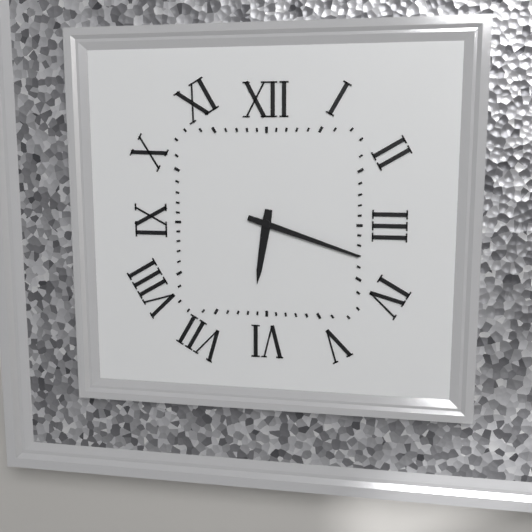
6:18
